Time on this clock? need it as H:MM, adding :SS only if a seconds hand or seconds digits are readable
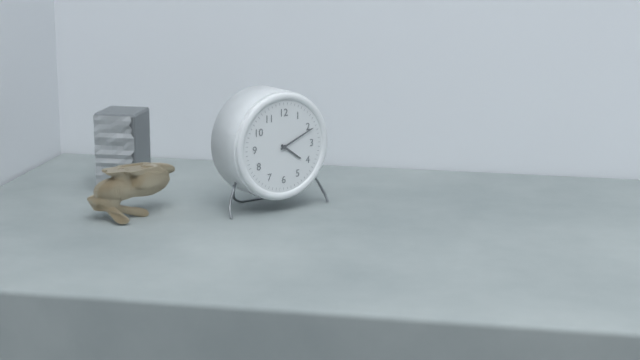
4:11
